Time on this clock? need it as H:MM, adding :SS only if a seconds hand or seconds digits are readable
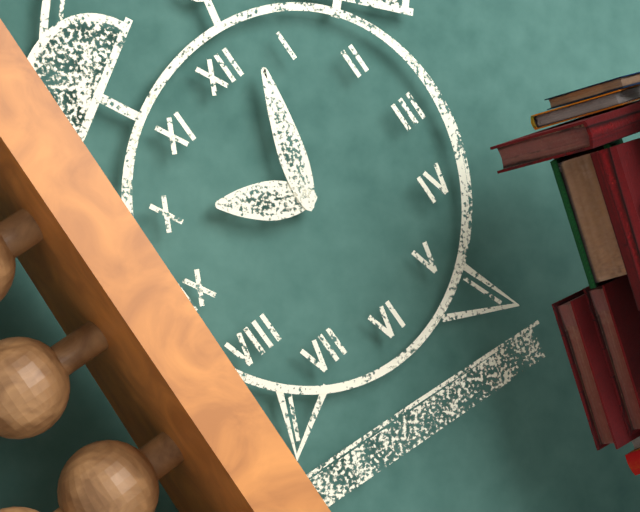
10:03
